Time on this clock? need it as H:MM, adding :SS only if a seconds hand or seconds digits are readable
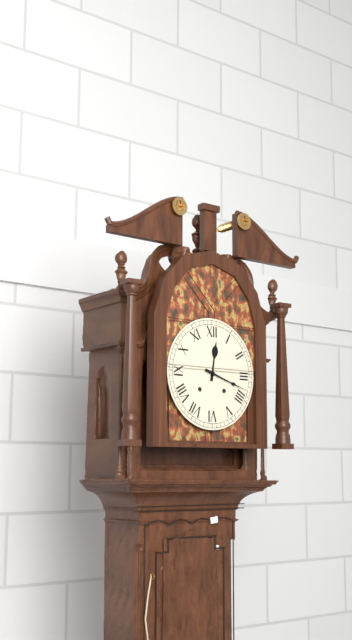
12:18
